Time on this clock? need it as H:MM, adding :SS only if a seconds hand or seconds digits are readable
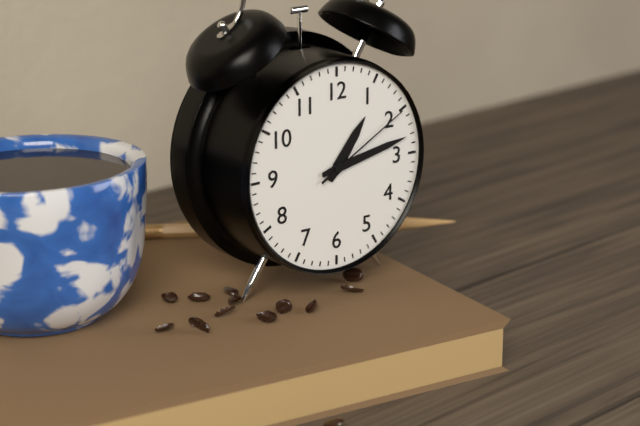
1:13:10
